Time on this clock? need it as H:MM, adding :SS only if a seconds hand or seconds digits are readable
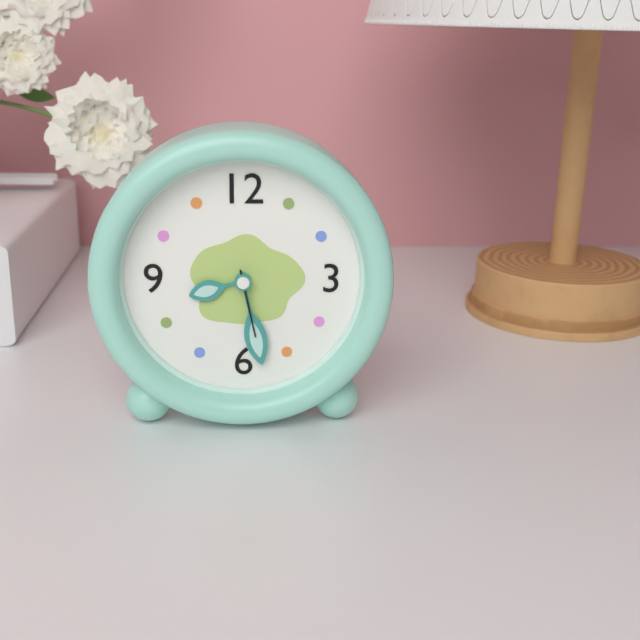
8:28:28
